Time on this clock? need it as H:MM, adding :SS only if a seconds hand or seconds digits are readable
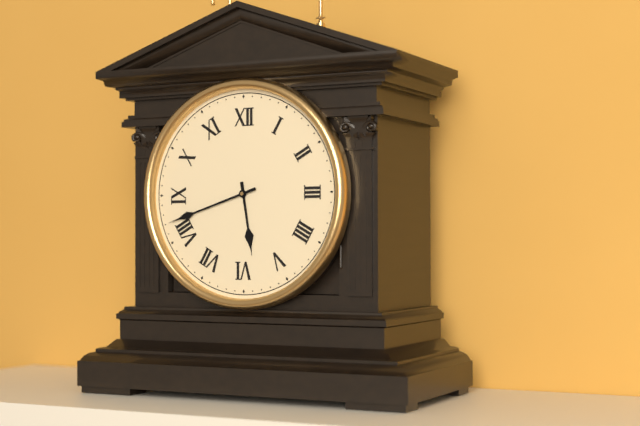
5:42
